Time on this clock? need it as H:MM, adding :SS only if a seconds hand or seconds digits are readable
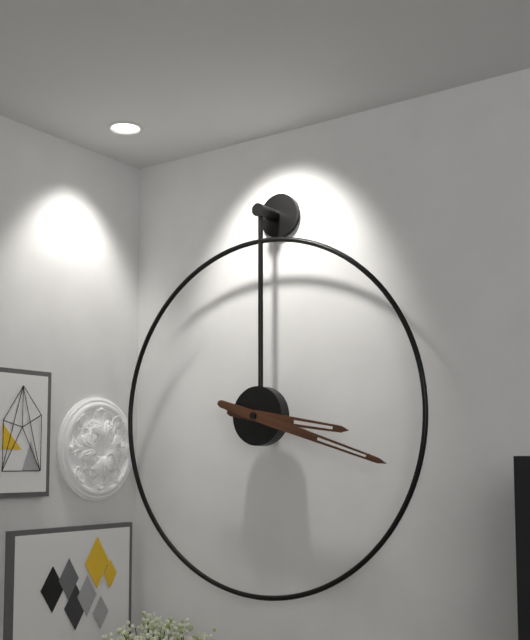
3:18
